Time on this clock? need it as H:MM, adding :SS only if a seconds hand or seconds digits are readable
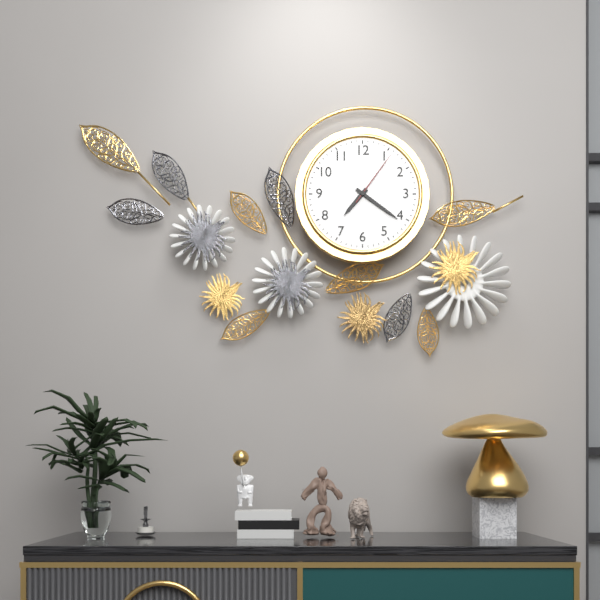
7:21:06
